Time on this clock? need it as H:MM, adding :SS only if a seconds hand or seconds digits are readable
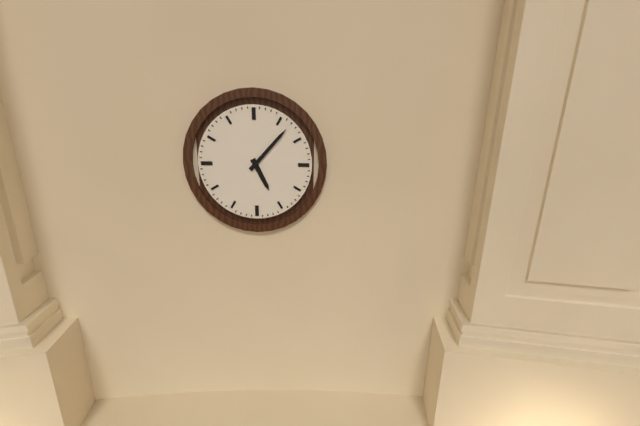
5:07
